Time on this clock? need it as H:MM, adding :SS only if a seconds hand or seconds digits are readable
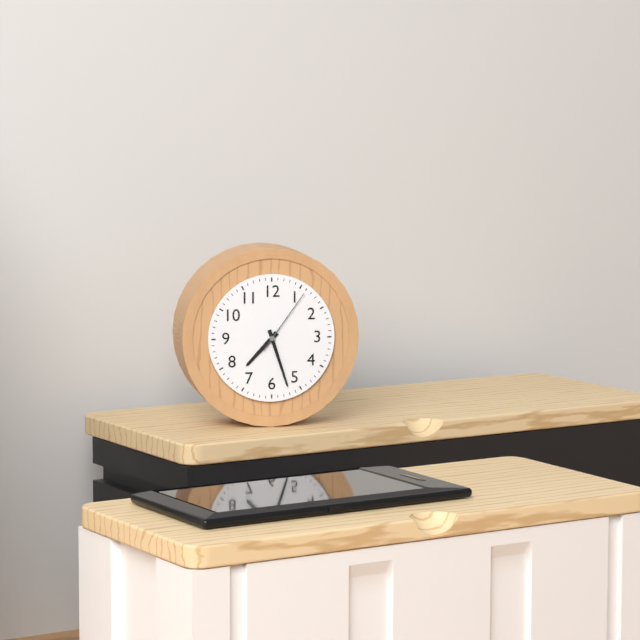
7:27:06
